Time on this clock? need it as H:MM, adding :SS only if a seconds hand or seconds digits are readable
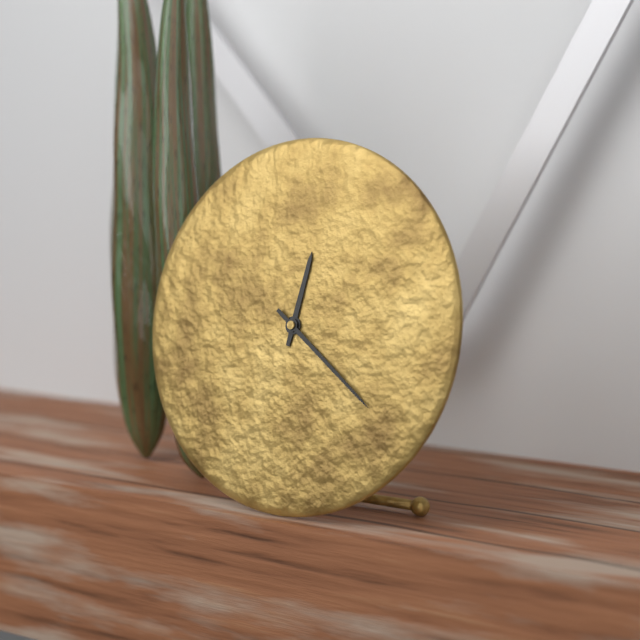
12:21
